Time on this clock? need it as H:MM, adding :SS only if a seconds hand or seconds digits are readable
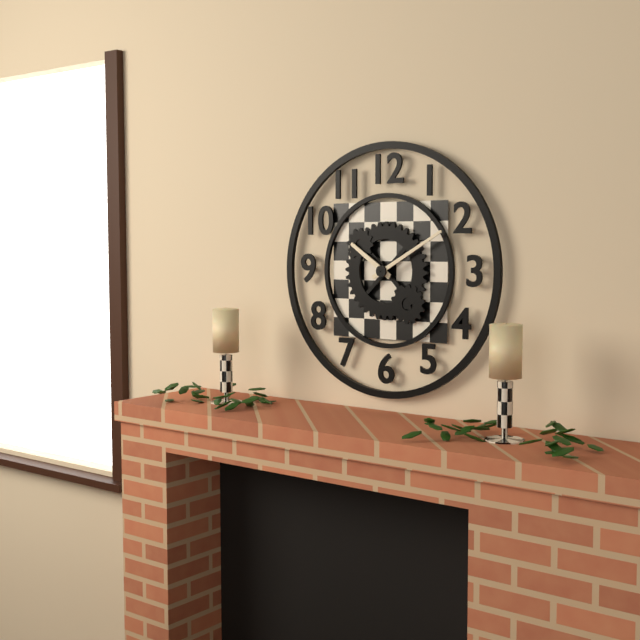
10:10
